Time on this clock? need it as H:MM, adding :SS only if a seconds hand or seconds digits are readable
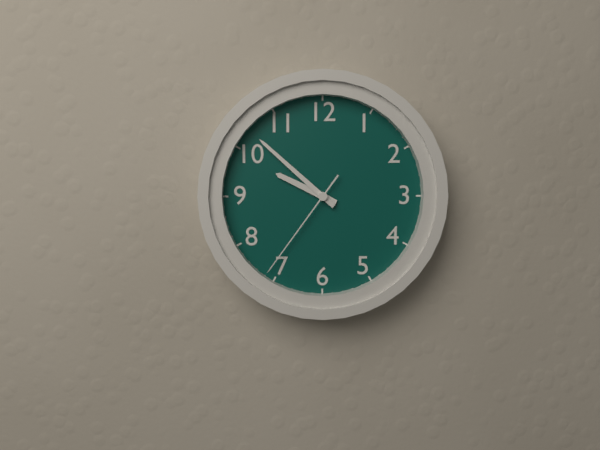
9:52:36
